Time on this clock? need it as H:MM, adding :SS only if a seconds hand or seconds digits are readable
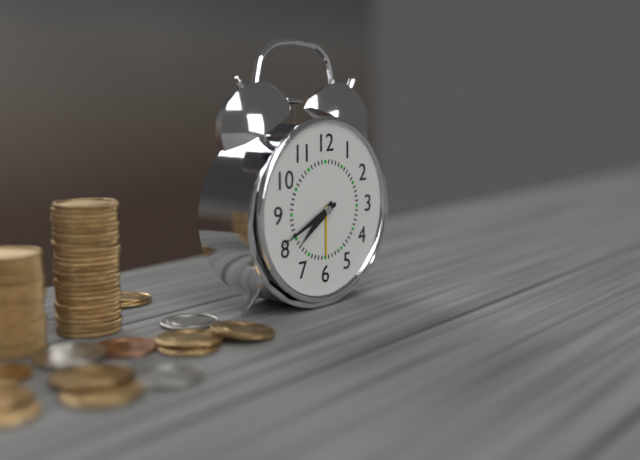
7:41
